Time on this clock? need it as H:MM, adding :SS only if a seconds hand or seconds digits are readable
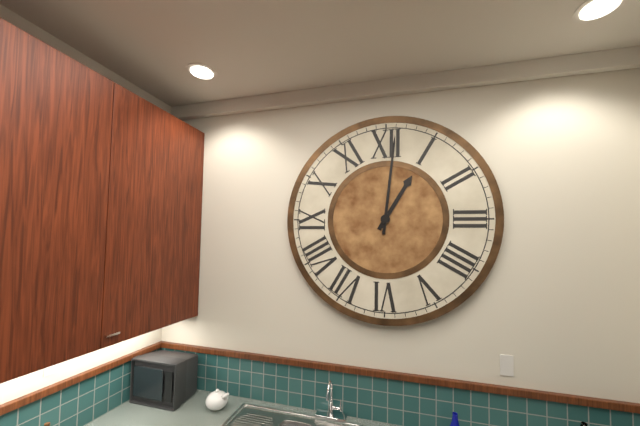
1:01
